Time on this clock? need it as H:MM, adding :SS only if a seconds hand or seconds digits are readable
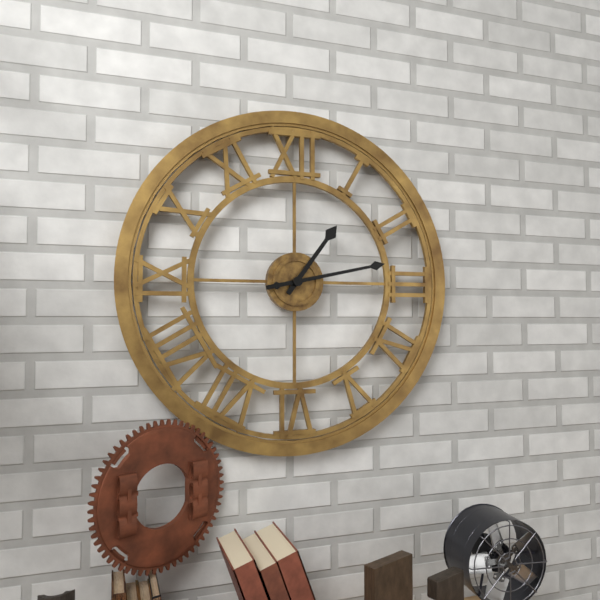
1:13
